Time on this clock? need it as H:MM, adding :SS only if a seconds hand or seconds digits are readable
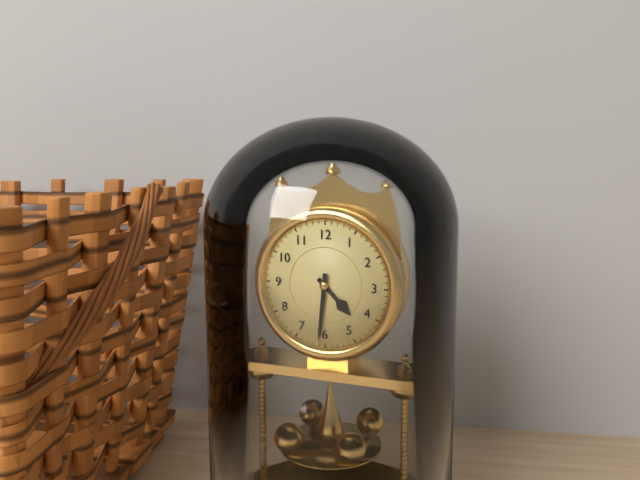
4:31
